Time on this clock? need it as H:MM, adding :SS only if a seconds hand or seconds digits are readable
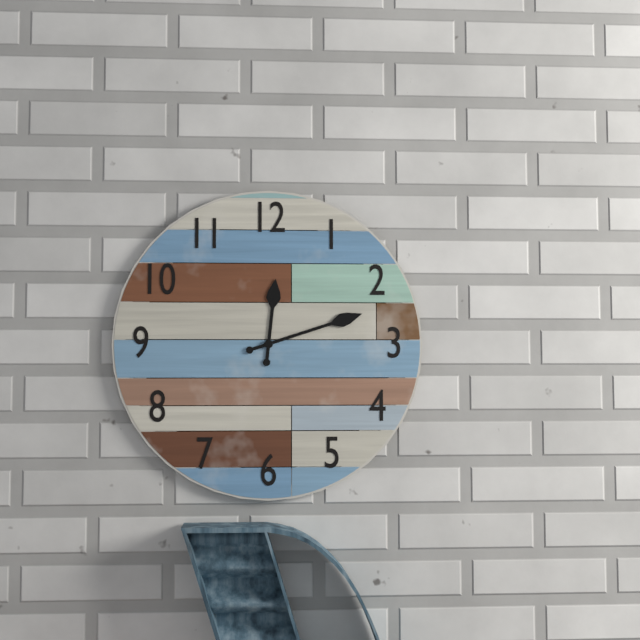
12:12
